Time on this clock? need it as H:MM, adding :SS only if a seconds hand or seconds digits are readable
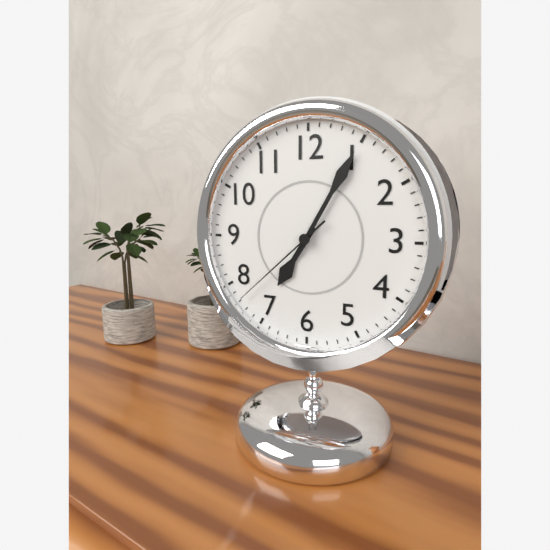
7:05:38
